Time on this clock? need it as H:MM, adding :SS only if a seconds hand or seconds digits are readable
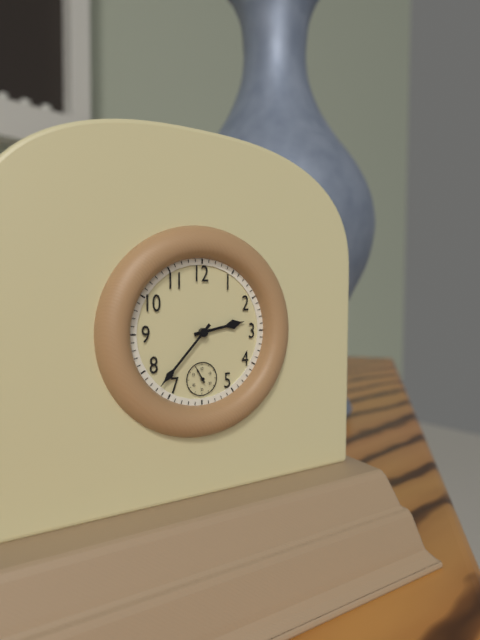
2:37
